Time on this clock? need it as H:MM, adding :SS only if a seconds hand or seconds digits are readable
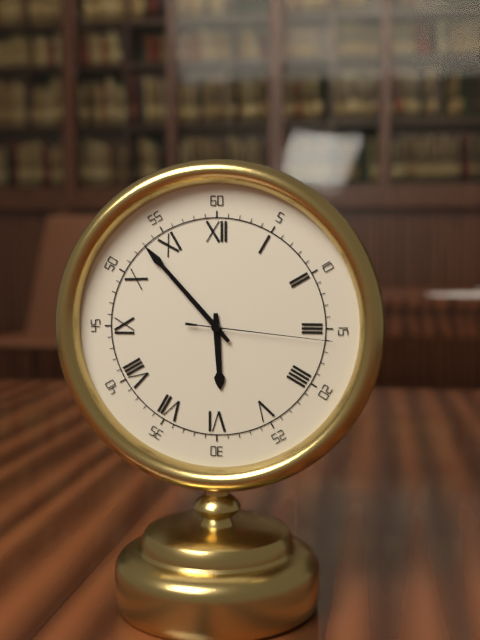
5:53:16
